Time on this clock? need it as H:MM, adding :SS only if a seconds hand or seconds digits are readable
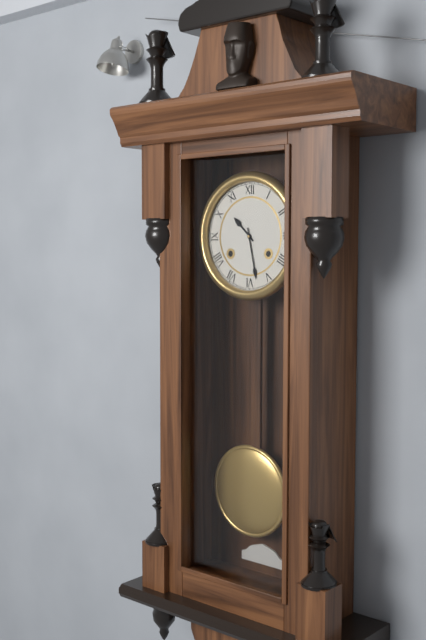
10:28
